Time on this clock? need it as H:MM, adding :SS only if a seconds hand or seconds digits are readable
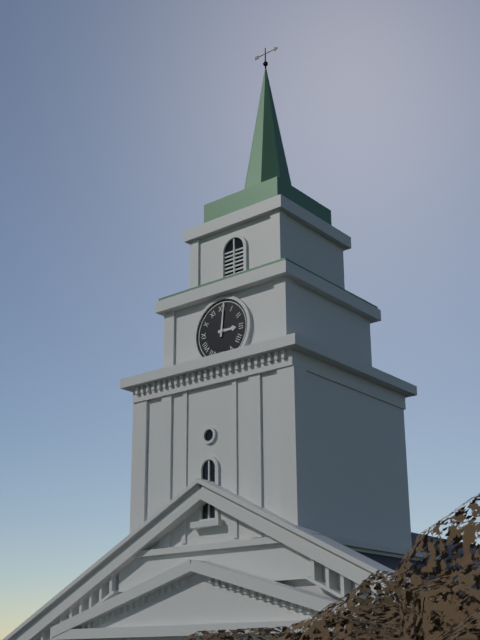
3:01
